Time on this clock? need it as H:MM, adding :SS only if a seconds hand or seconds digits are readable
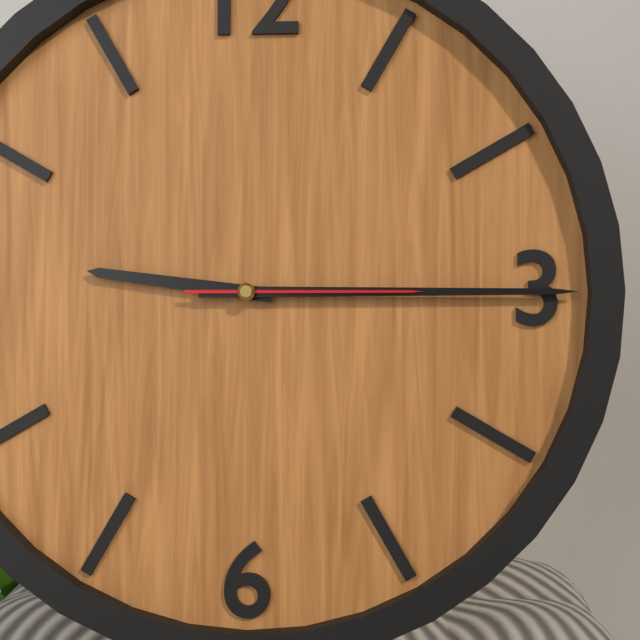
9:15:15
